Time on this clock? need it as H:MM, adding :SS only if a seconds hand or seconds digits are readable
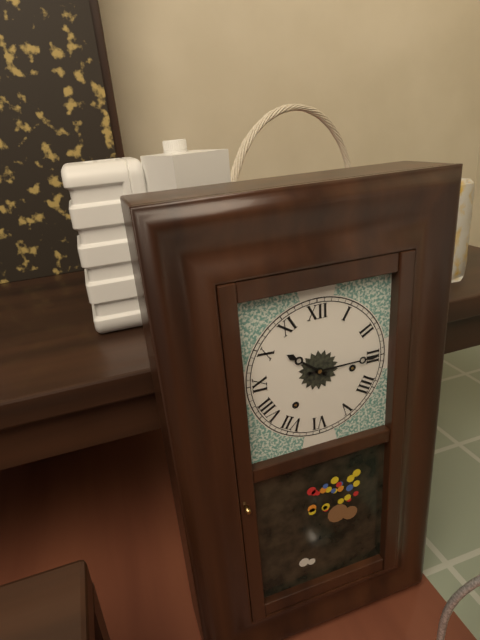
10:15
